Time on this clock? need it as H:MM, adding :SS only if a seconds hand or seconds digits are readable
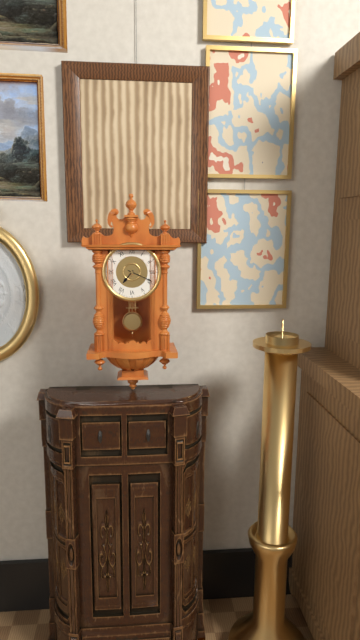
7:19
